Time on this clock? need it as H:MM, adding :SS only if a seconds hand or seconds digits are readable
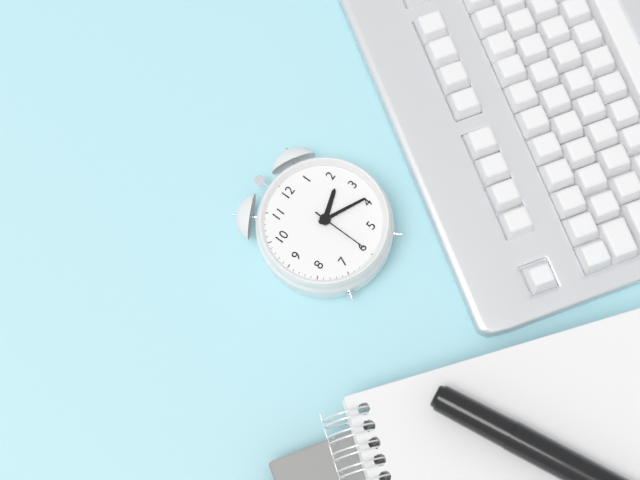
2:19:30
